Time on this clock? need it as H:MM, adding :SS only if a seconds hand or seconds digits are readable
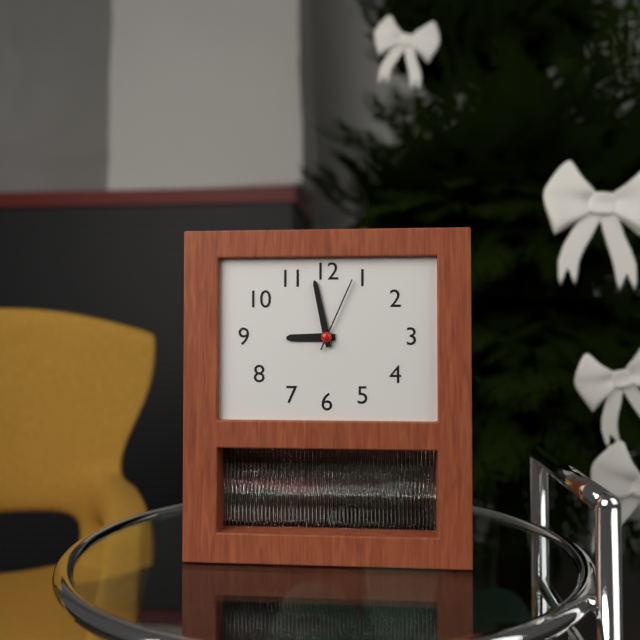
8:58:04
